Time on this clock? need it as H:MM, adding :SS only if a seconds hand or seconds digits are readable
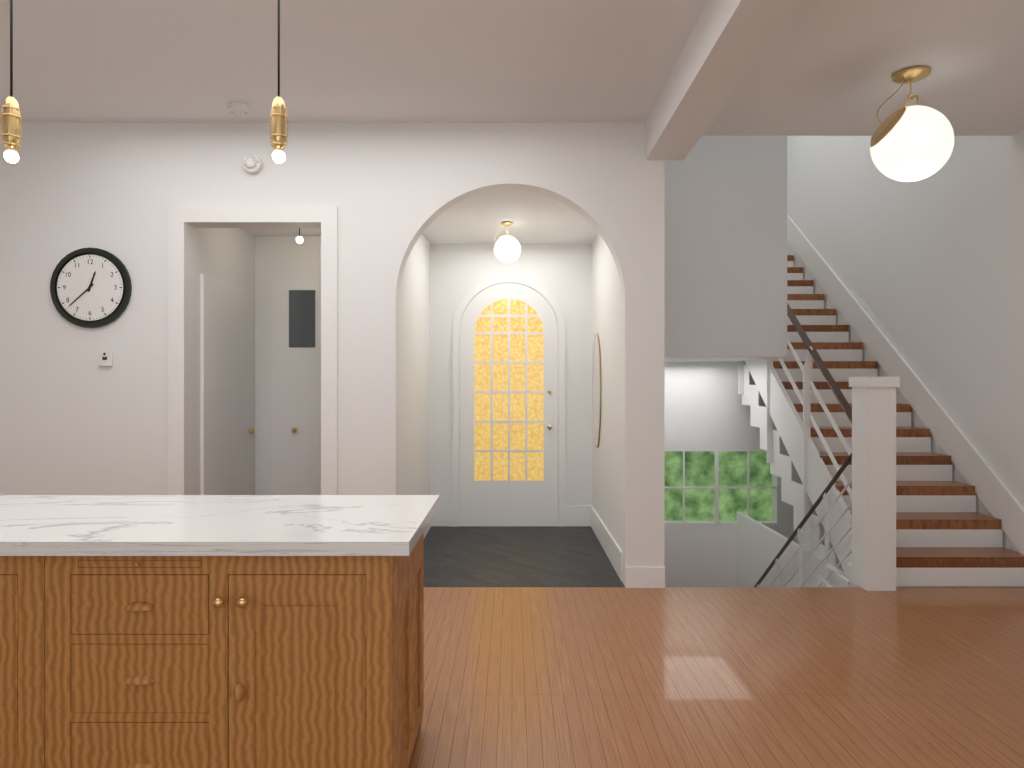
12:38
